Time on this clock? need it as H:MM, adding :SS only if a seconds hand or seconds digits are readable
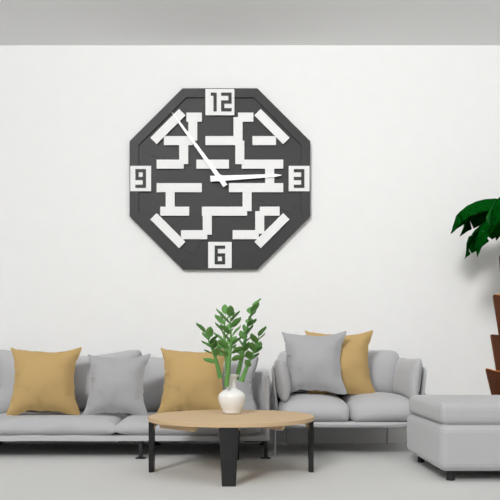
2:54
